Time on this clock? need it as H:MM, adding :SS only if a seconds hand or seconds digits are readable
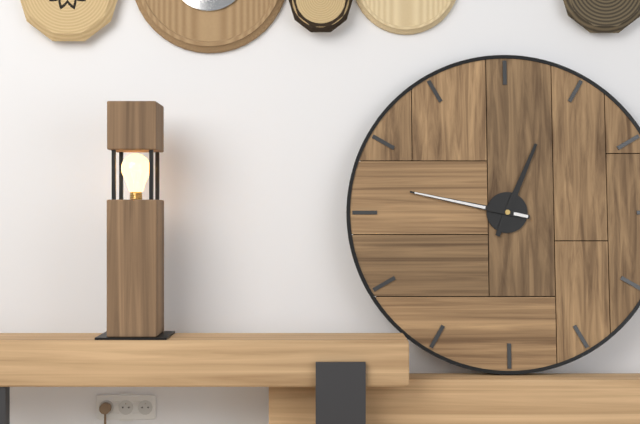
12:47
